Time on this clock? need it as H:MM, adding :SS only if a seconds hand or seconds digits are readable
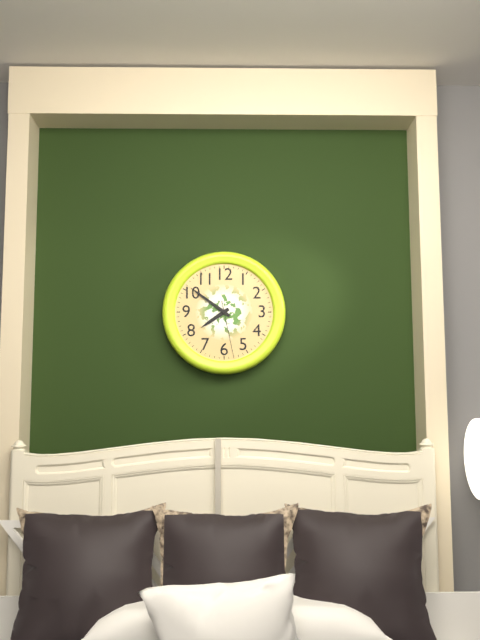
7:51:28
